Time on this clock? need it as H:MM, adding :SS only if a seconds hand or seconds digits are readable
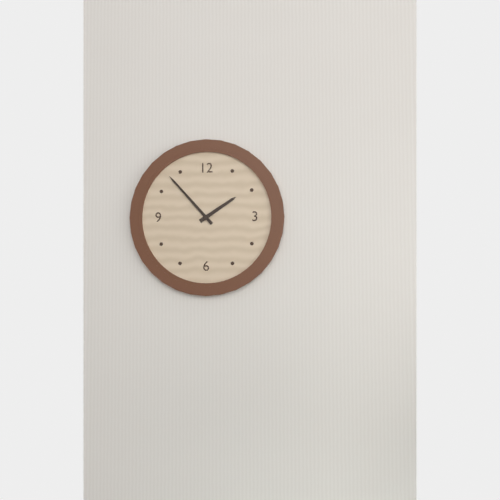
1:53
